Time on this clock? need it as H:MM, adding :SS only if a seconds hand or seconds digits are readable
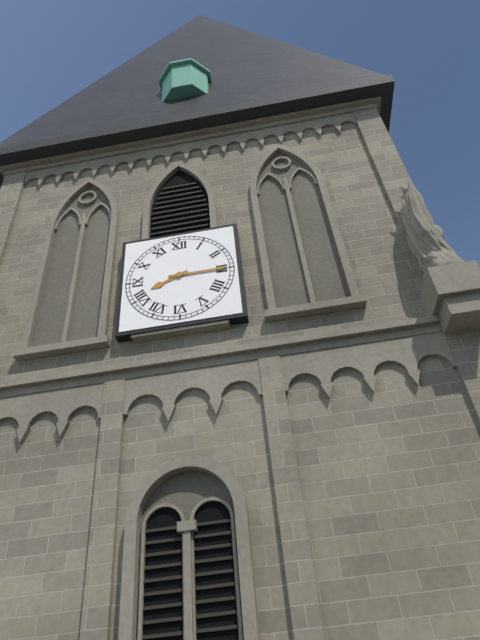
8:15
